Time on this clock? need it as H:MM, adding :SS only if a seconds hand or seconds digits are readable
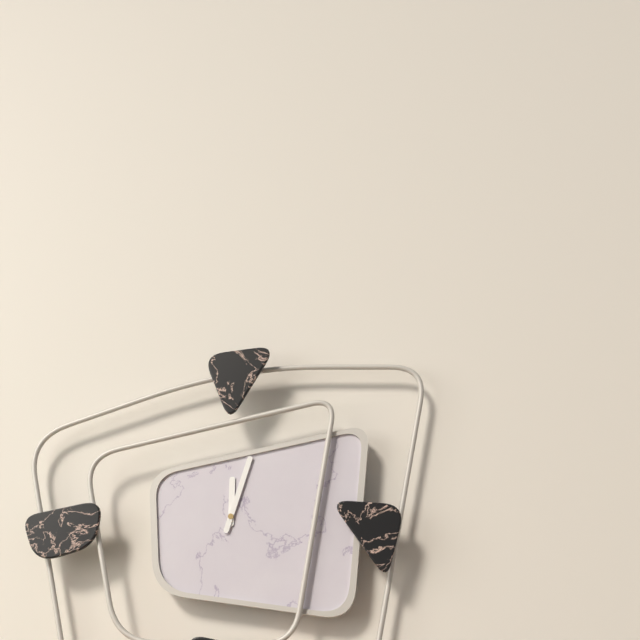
12:03
